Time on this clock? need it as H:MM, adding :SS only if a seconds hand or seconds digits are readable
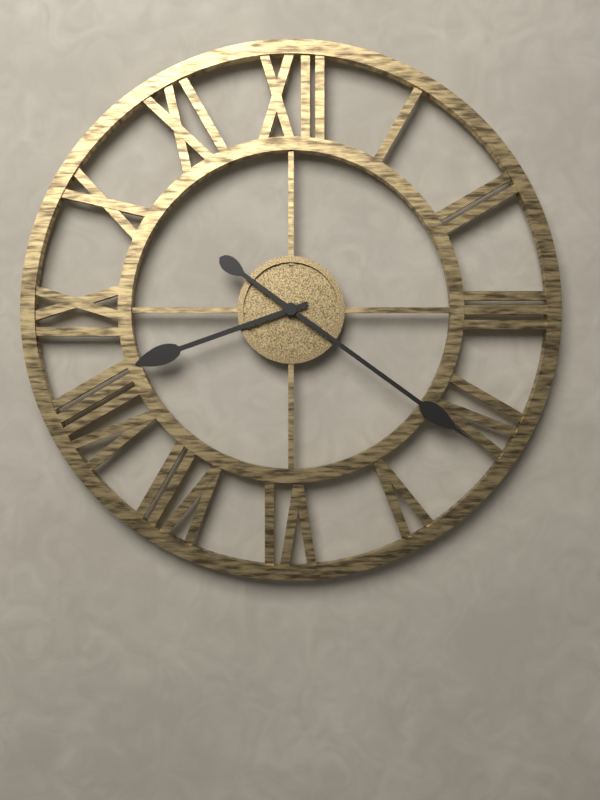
8:21
